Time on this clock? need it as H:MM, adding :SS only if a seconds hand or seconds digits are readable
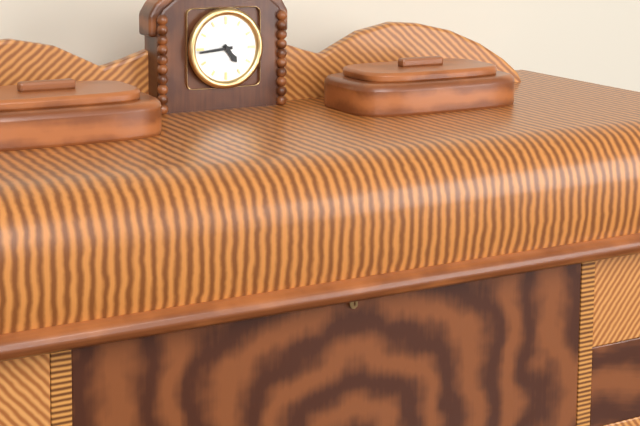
4:44
